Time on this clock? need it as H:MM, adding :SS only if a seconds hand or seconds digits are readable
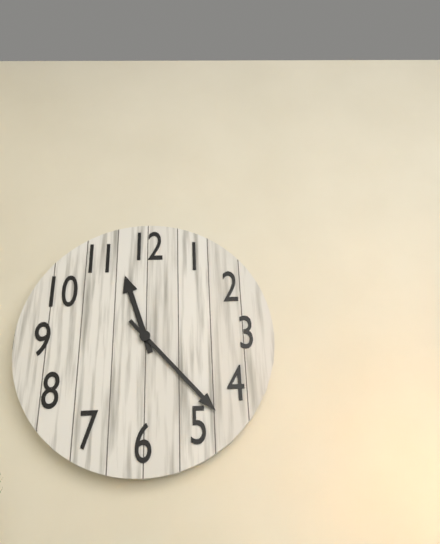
11:23
